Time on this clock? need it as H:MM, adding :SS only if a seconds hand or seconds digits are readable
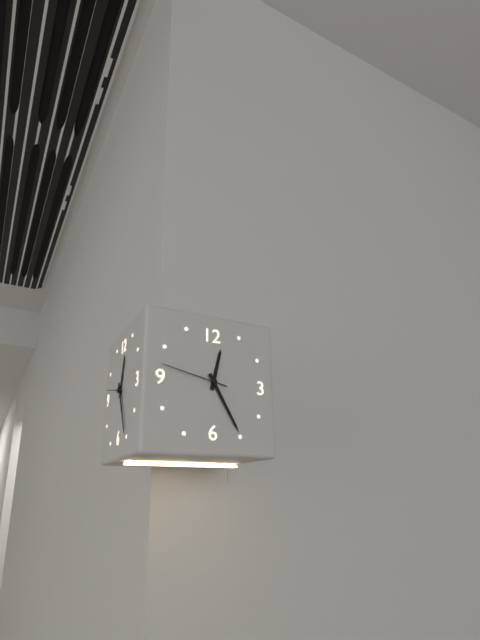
12:25:47
